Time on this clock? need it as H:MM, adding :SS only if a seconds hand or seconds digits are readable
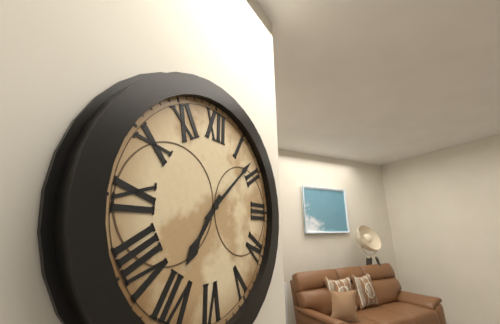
7:08
